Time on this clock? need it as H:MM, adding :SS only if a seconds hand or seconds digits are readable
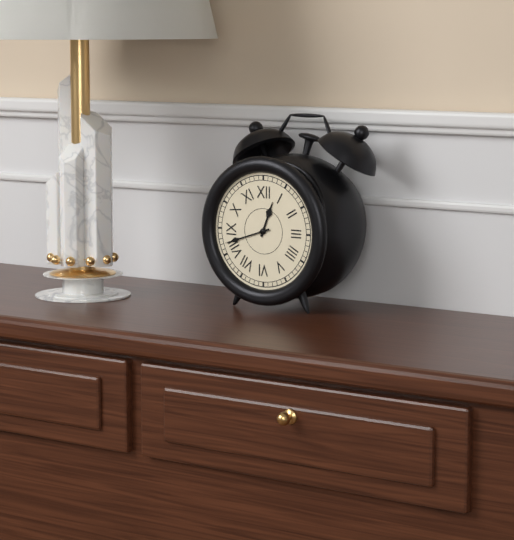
12:42
